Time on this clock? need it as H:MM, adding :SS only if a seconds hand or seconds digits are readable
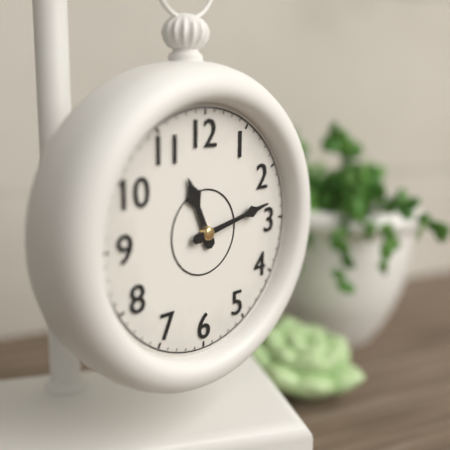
11:13
